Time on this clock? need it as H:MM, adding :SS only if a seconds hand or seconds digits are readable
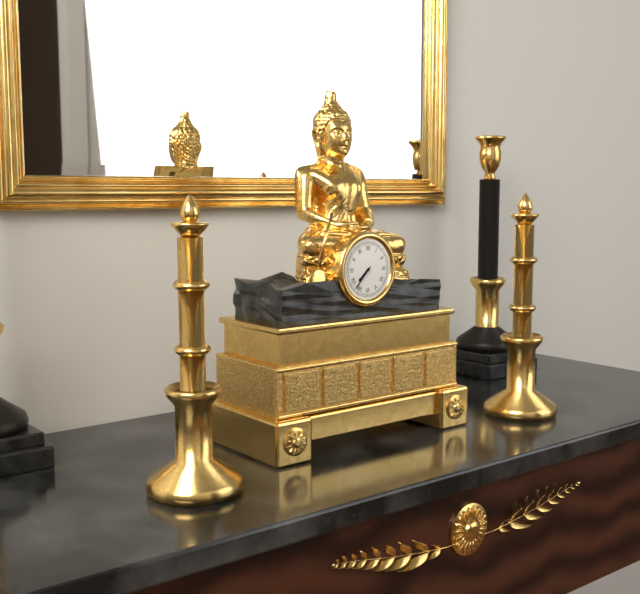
7:37
